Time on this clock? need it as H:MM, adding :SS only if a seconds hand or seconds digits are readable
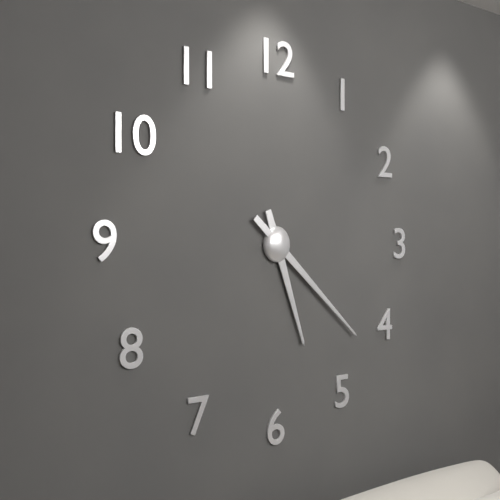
5:22
